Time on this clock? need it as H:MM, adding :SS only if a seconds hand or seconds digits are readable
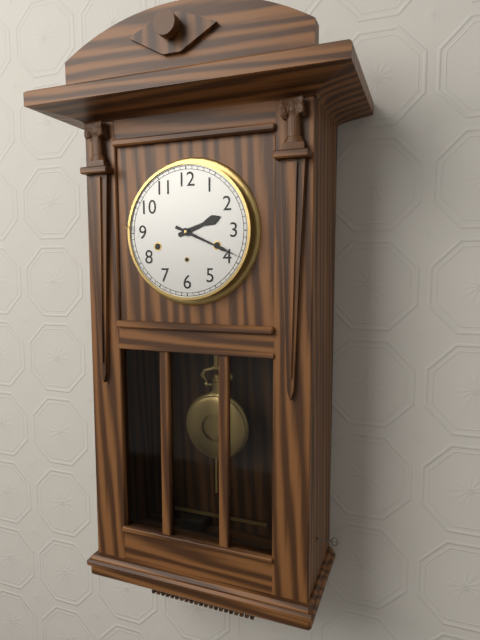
2:19
